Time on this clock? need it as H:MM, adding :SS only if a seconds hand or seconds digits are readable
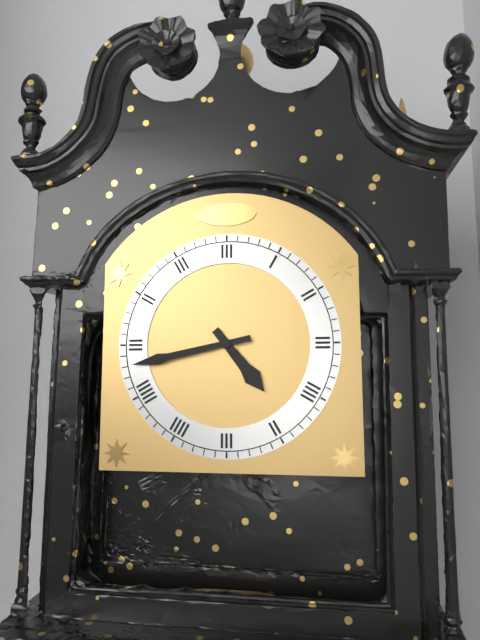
4:43
